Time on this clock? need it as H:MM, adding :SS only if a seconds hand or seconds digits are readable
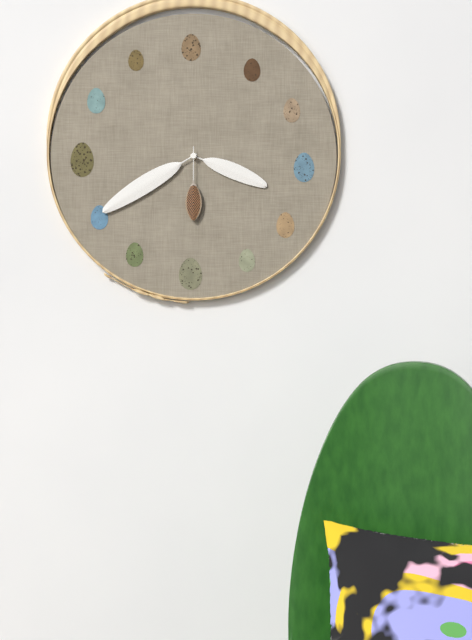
3:40:30
